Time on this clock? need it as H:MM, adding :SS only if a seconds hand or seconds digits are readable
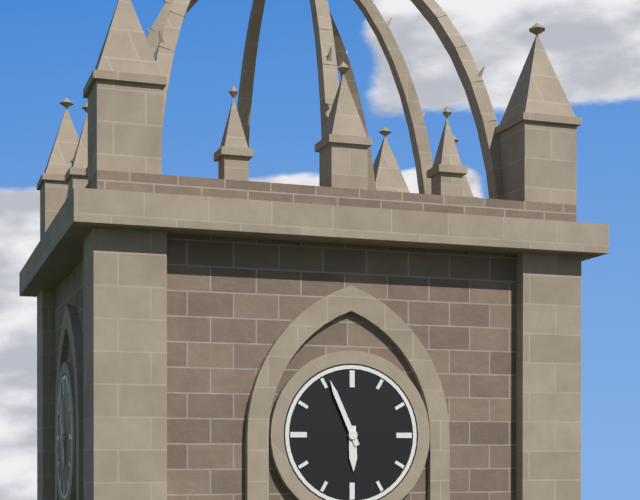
5:56
